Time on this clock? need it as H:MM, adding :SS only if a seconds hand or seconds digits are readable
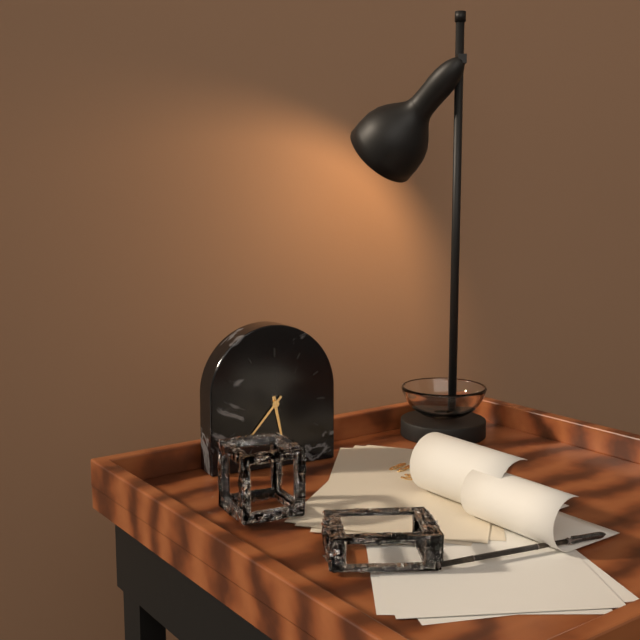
5:37
